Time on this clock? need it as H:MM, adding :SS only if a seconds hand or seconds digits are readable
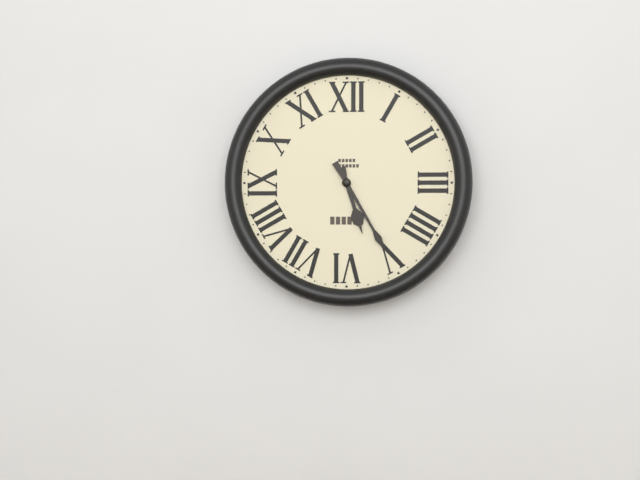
5:25
